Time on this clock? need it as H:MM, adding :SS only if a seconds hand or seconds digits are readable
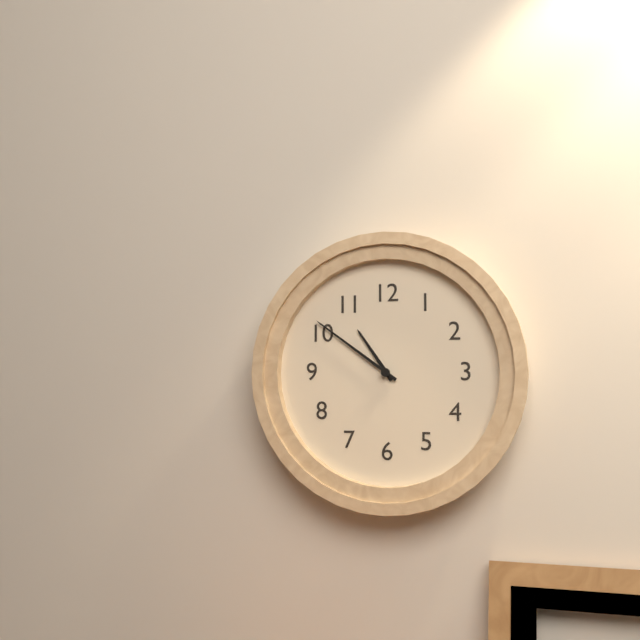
10:51
